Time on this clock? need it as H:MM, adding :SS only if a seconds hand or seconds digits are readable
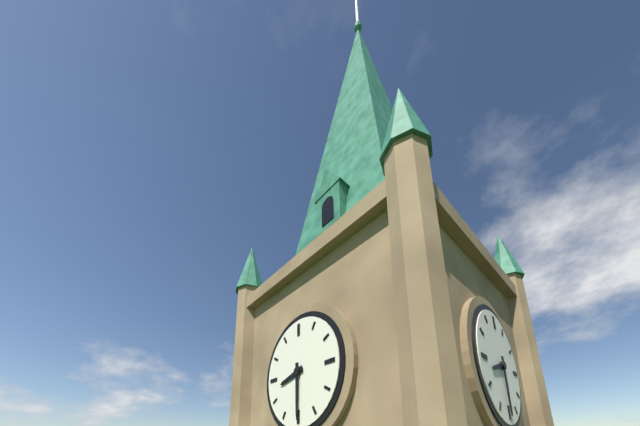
8:30
